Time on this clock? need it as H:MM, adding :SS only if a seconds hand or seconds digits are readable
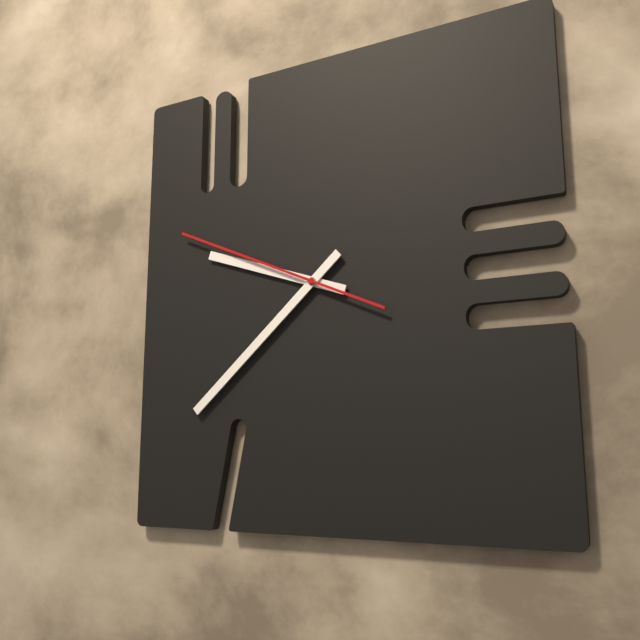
9:38:49
